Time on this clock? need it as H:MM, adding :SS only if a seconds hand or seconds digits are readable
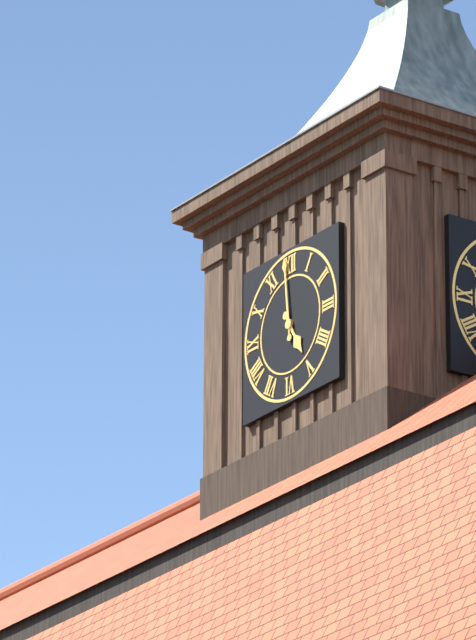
4:59
